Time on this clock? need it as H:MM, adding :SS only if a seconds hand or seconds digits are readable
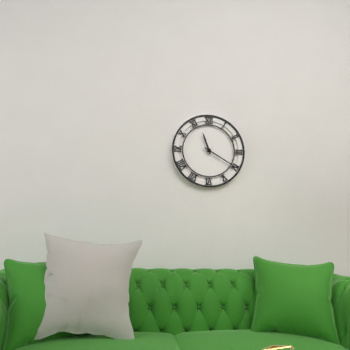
11:20
